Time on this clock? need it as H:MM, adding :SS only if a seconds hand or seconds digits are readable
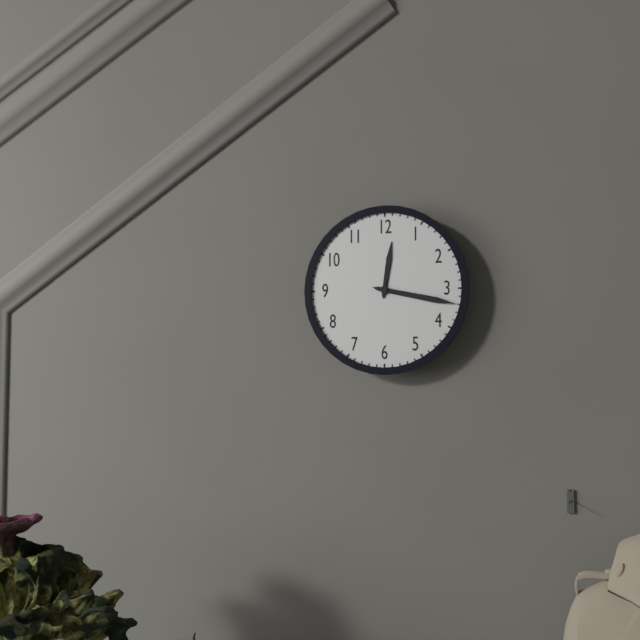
12:17
